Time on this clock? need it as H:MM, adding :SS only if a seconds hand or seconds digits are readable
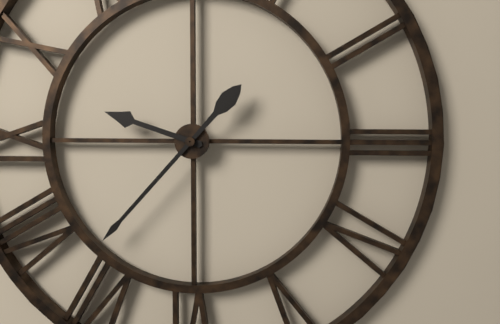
9:37
